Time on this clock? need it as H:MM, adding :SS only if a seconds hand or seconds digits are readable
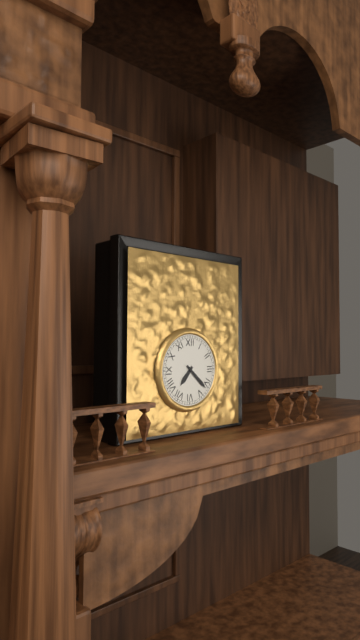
7:22
